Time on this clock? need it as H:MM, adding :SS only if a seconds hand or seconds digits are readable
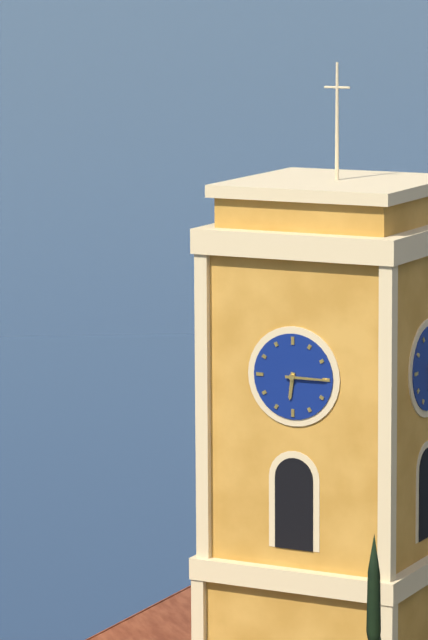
6:15
